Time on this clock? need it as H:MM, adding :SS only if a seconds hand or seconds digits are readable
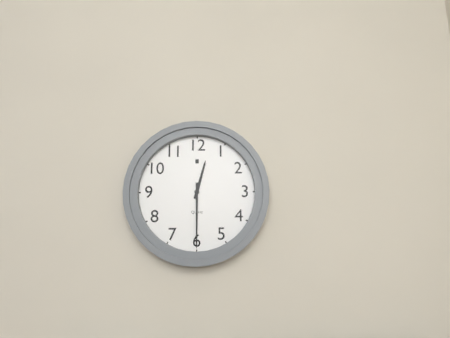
12:30
